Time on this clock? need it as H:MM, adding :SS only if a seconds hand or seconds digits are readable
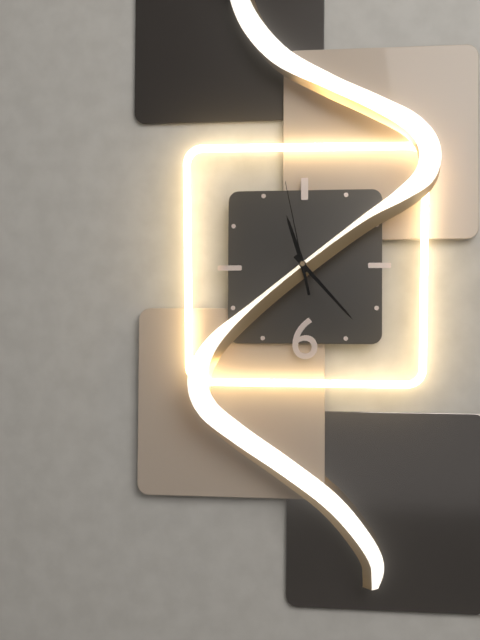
11:23:58
